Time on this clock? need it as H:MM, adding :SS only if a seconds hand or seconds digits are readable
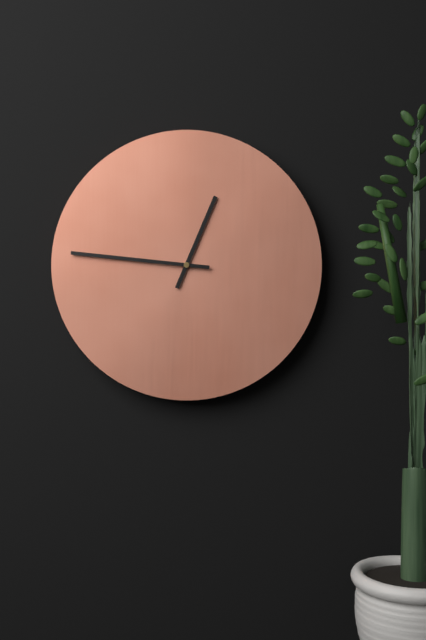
12:46
